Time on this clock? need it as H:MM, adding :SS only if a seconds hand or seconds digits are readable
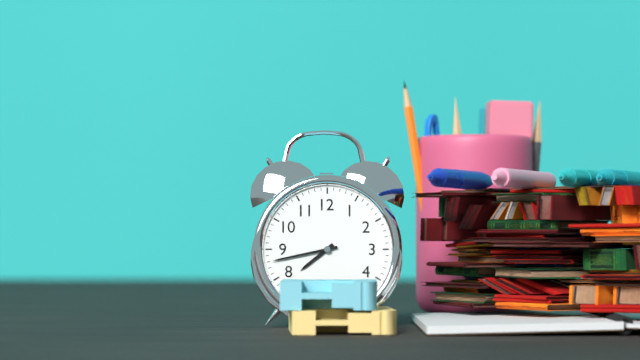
7:43
